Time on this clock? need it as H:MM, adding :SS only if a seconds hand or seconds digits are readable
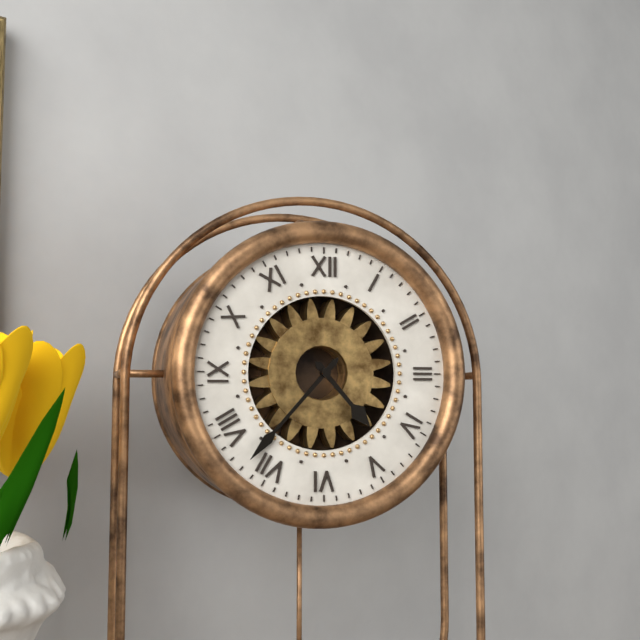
4:37
